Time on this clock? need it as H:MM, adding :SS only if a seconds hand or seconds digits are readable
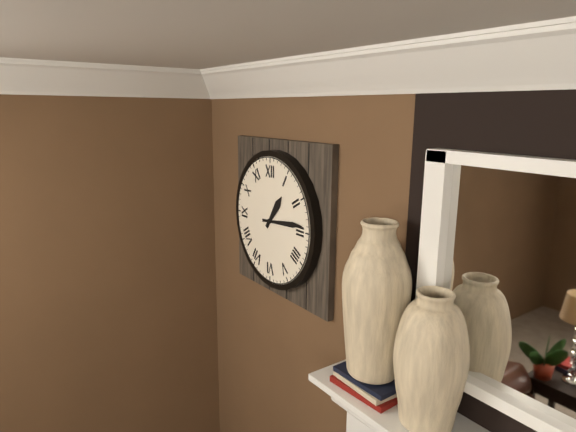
1:14
